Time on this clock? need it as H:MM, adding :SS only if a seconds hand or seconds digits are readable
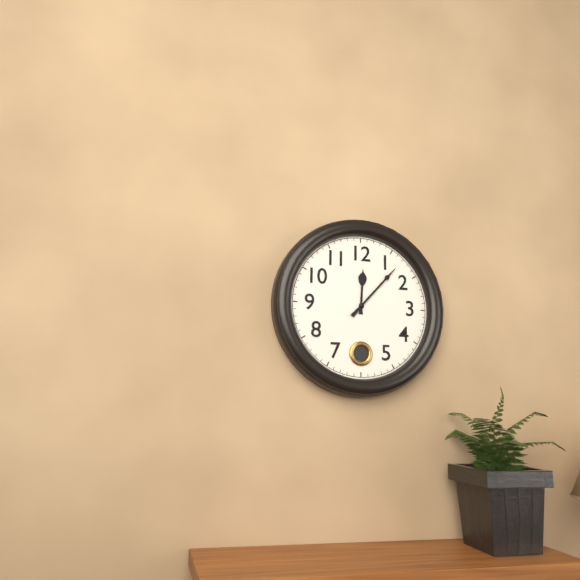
12:07
